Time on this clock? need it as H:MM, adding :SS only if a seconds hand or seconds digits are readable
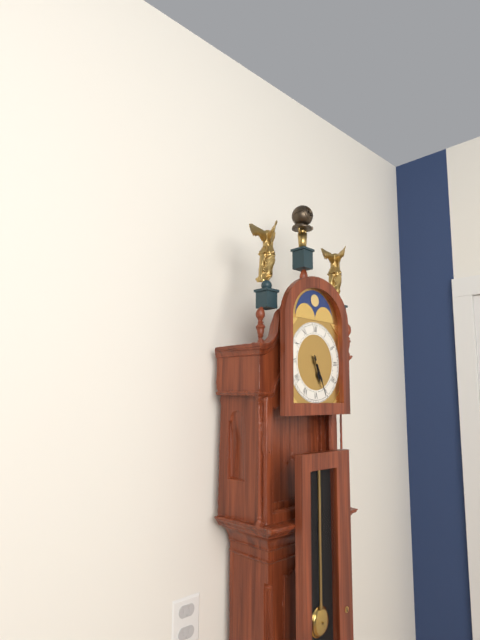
5:26
